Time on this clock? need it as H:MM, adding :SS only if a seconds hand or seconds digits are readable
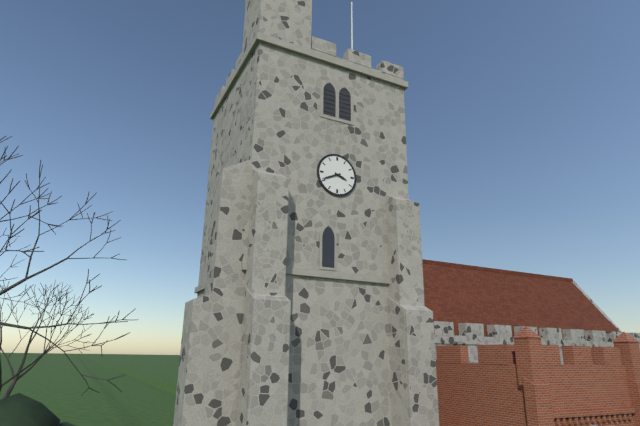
3:41
